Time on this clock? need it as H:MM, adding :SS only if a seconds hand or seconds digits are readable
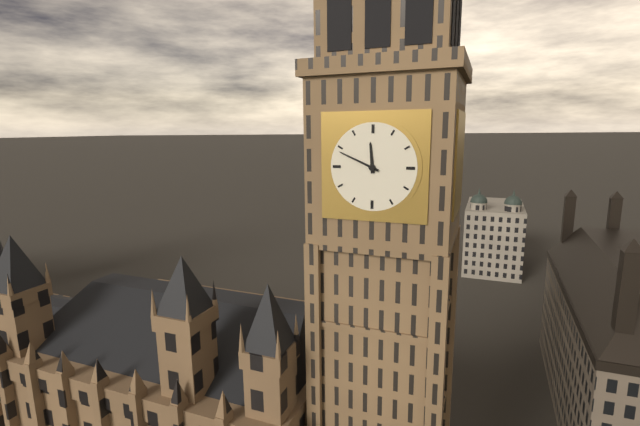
11:49
